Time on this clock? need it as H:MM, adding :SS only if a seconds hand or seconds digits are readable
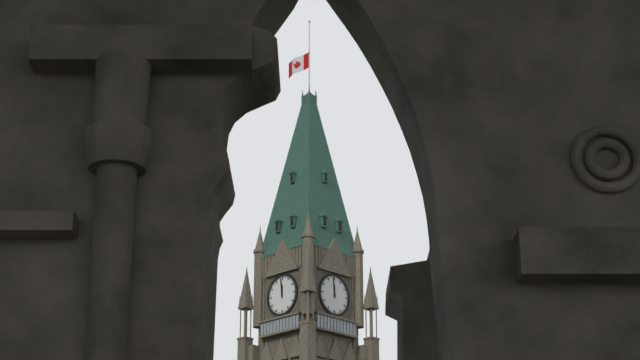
11:59
